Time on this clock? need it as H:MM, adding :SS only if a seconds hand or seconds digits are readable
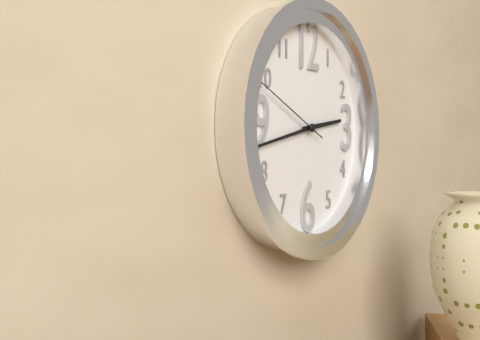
2:43:49
